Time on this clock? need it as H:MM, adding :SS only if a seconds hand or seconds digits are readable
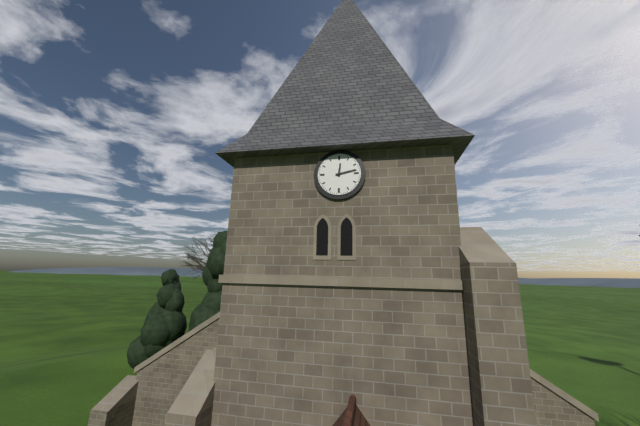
12:13
